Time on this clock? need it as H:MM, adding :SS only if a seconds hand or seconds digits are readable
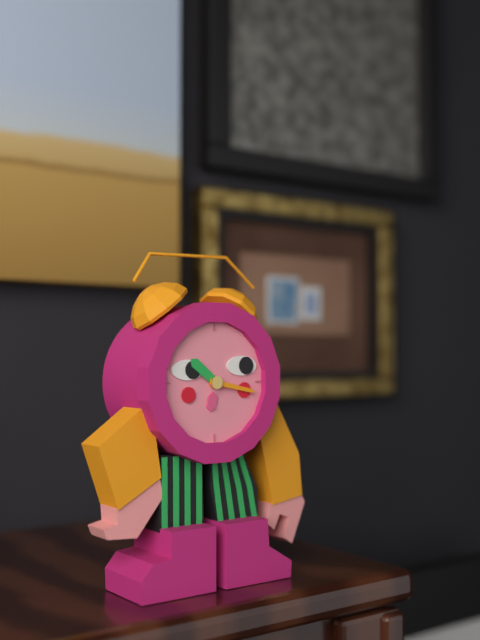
10:17
